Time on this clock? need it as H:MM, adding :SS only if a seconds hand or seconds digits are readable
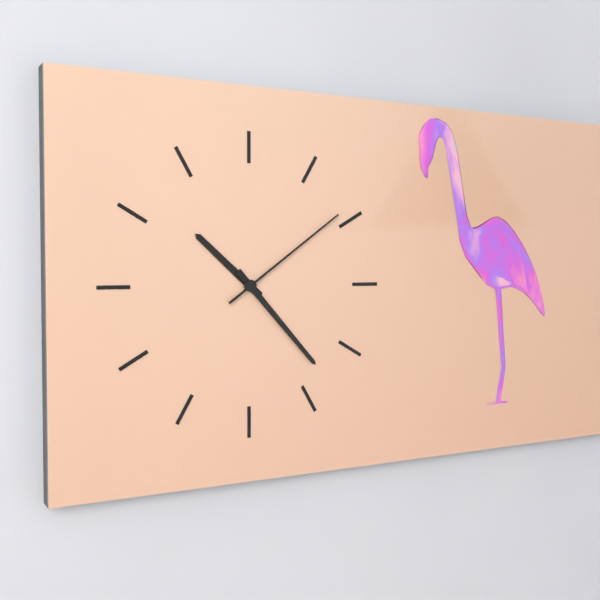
10:23:09
